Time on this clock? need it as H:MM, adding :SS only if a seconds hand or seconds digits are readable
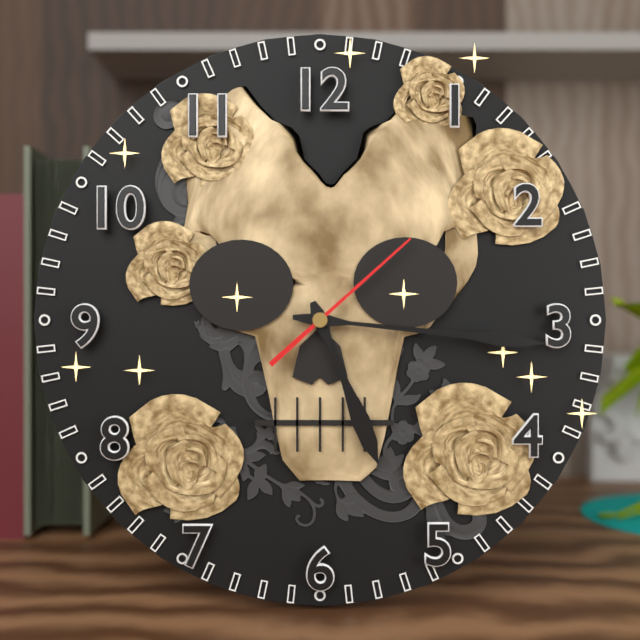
5:16:08
